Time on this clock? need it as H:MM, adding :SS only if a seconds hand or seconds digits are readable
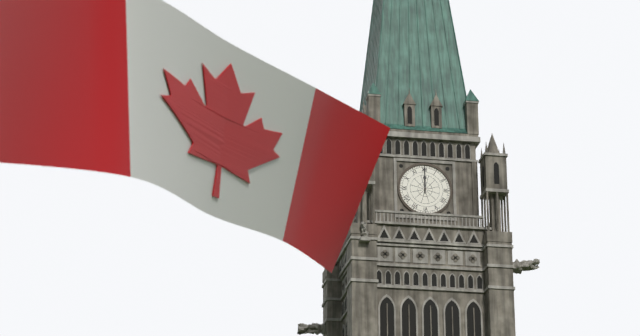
12:00
